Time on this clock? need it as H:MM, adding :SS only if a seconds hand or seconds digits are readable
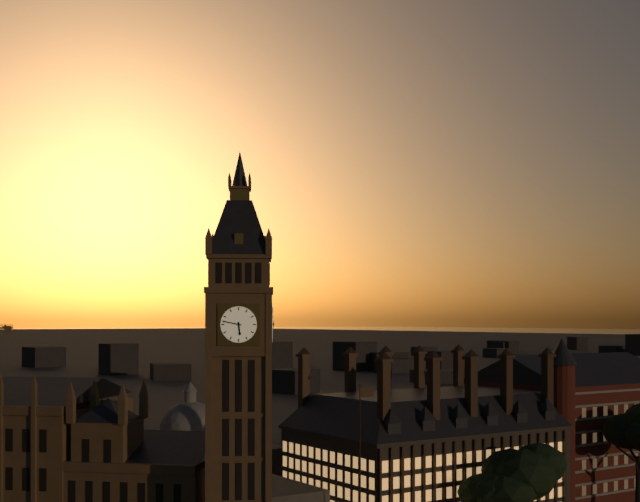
5:47
